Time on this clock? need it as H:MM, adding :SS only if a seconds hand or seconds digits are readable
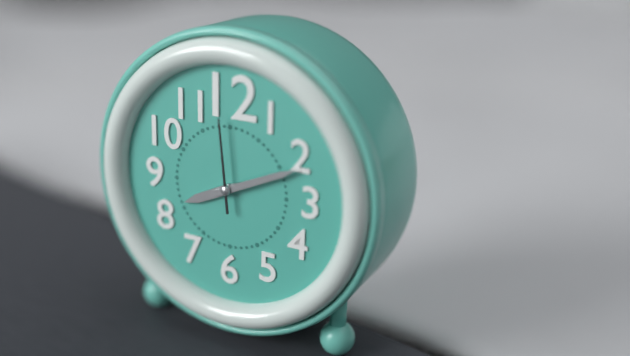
8:11:59
